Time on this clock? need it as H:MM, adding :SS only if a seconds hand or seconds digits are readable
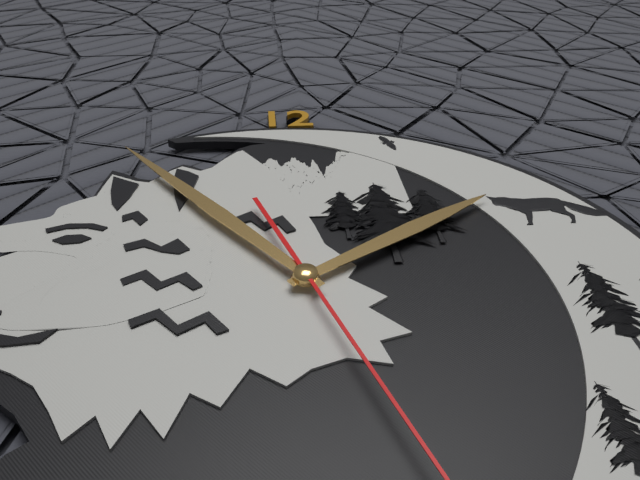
1:54
